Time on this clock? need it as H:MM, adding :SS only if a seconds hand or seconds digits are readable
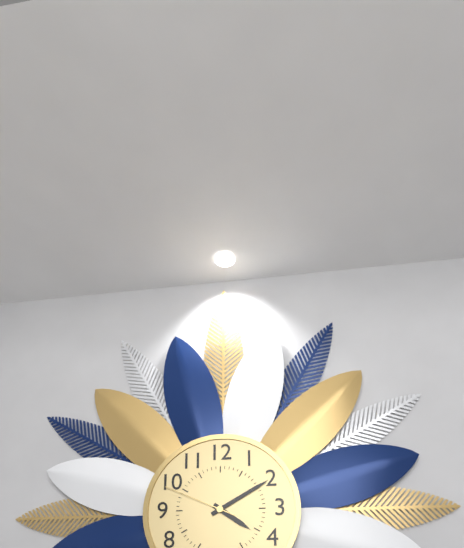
4:10:49
